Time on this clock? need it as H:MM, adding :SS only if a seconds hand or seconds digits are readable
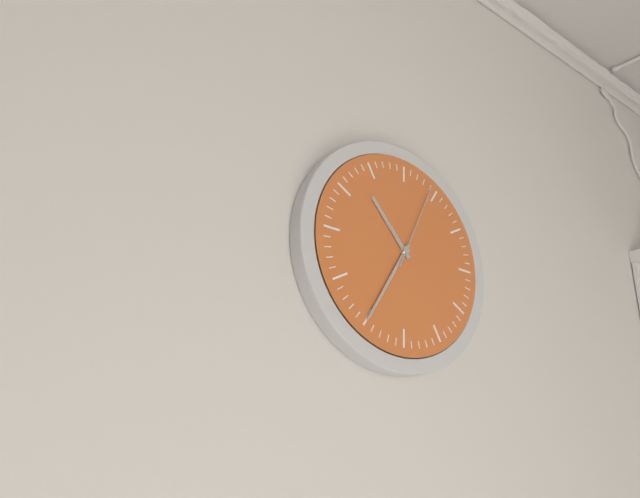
10:35:04
